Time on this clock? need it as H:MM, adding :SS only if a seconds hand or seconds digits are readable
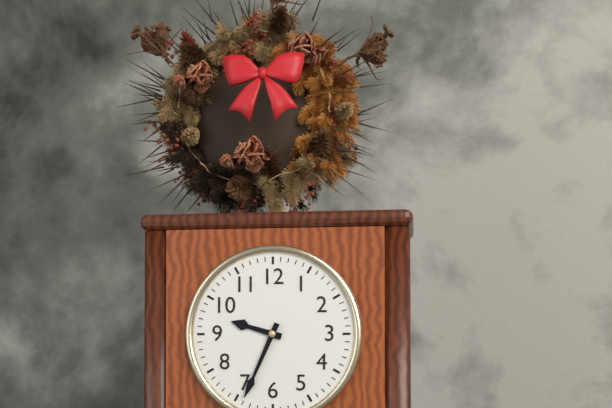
9:34
